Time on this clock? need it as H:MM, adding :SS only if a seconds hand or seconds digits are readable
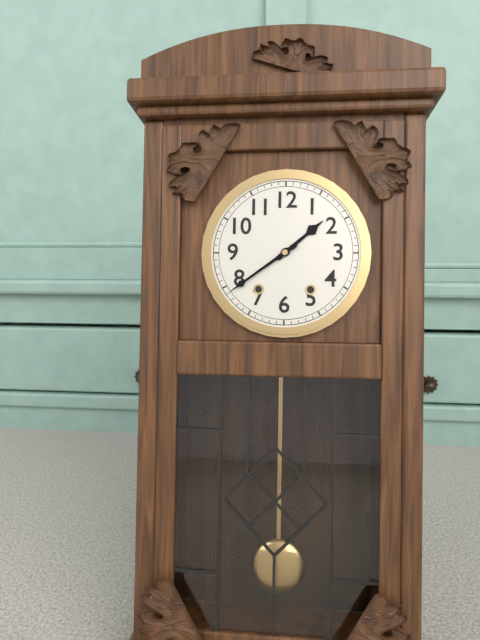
1:39
